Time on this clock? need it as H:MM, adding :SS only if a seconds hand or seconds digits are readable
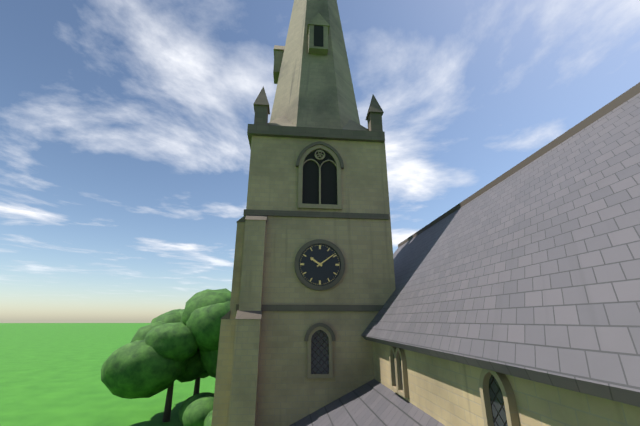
10:09
